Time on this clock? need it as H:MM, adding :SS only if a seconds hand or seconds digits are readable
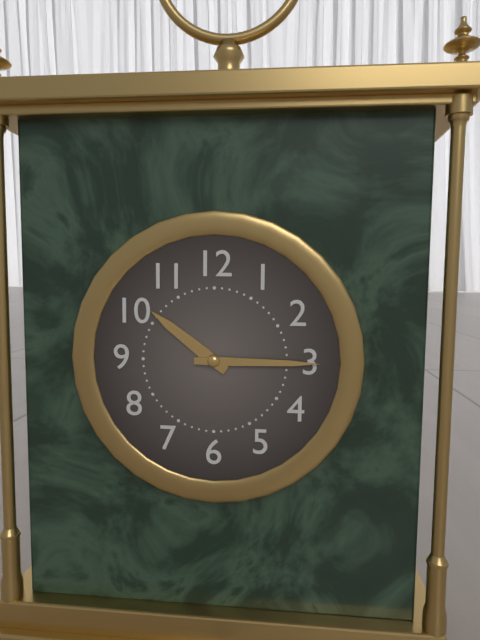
10:15
